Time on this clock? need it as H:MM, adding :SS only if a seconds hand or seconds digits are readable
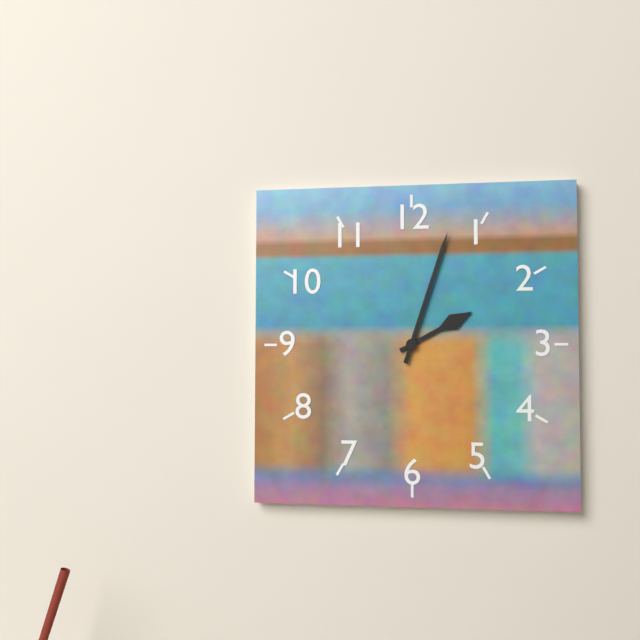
2:03
